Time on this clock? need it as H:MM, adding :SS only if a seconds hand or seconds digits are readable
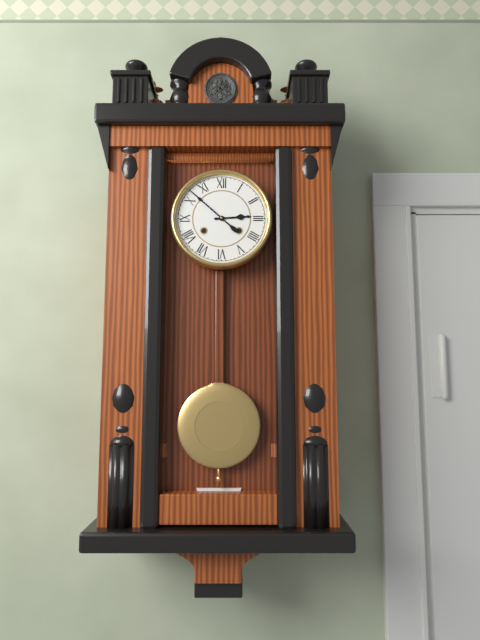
2:52
